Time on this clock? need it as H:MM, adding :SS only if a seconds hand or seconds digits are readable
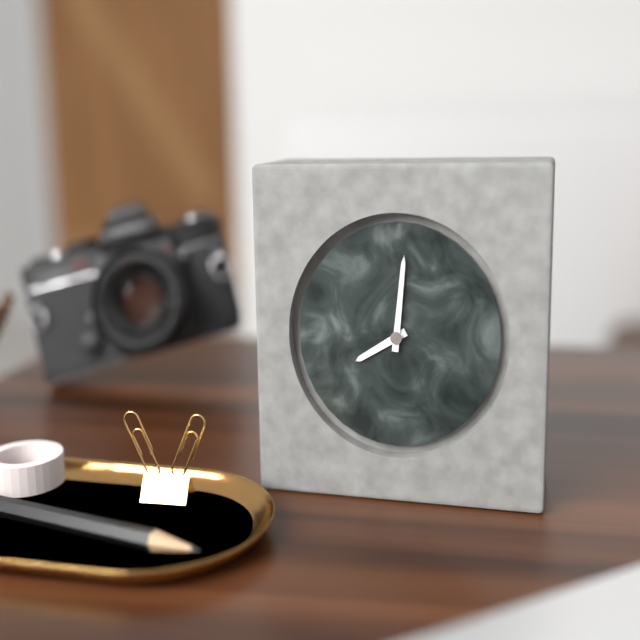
8:01
